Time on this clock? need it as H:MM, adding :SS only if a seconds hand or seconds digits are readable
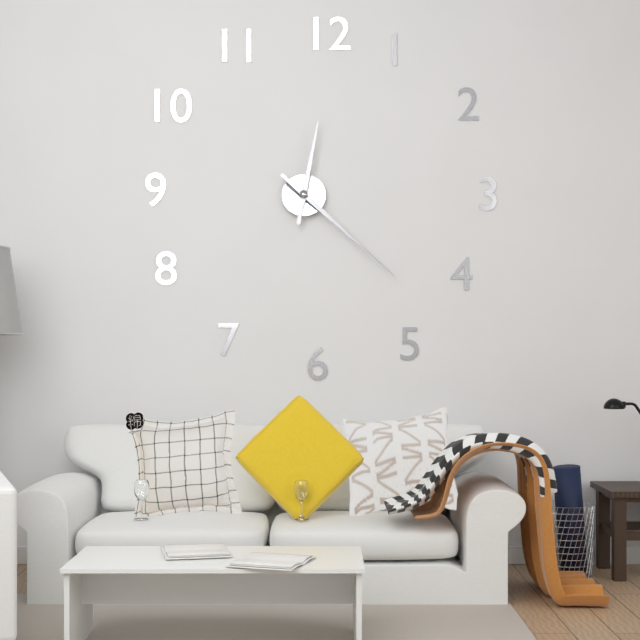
12:22
